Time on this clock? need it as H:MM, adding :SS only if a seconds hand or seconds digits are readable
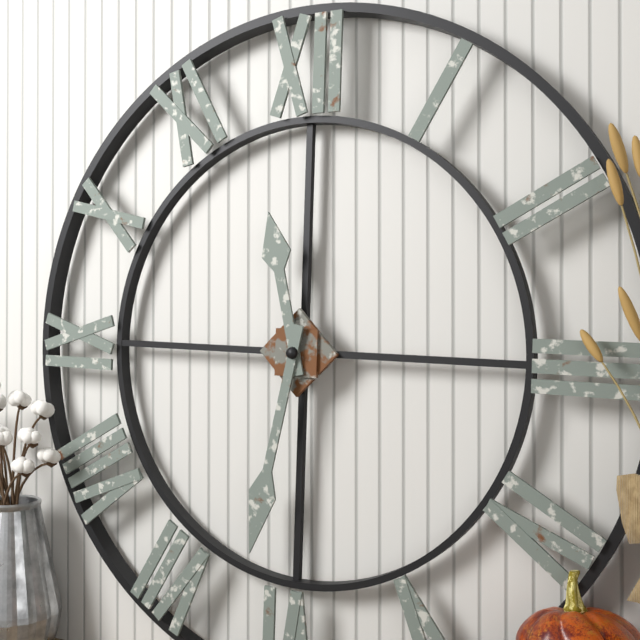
11:32
